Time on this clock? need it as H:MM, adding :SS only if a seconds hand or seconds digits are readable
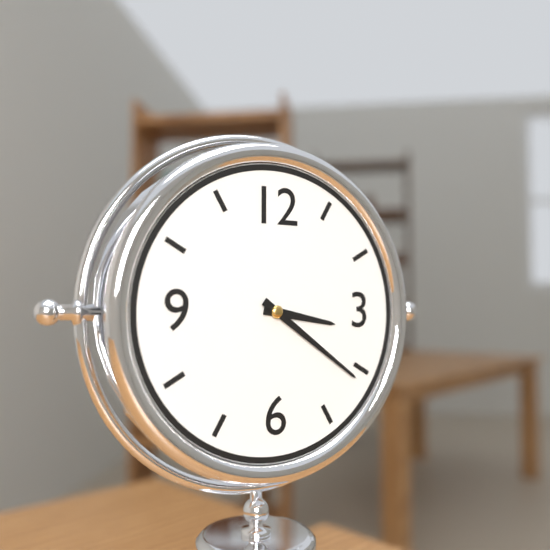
3:21
